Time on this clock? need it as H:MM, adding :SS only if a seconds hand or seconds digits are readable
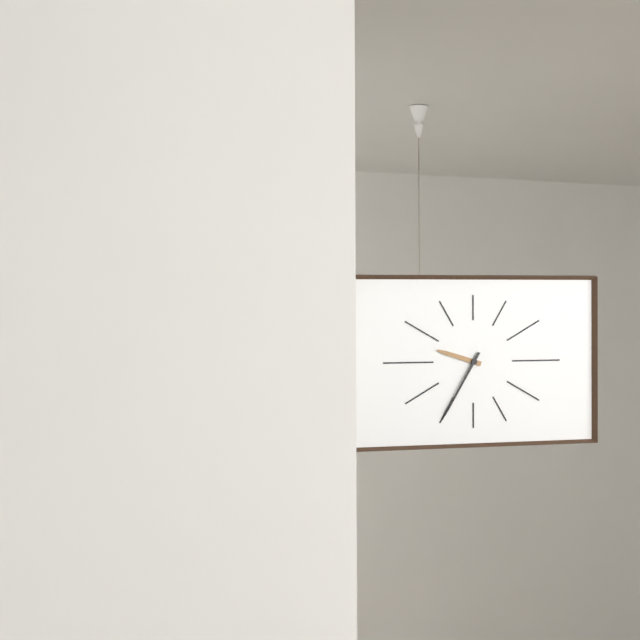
9:35
